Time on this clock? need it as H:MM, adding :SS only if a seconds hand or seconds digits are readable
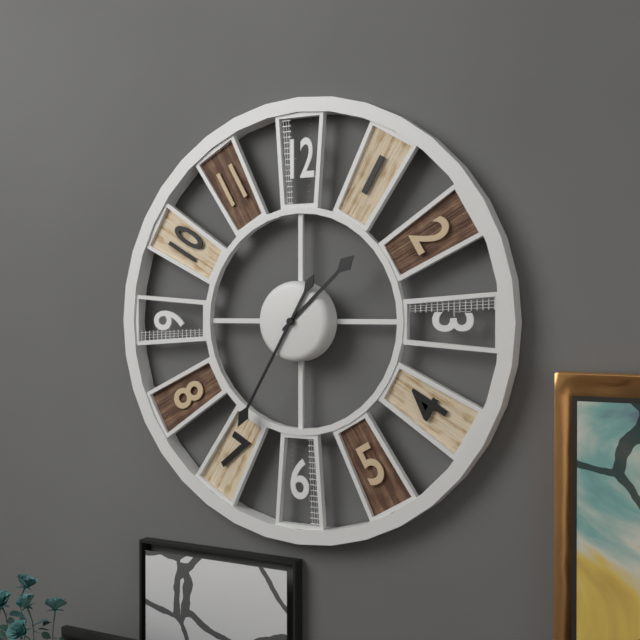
1:35
